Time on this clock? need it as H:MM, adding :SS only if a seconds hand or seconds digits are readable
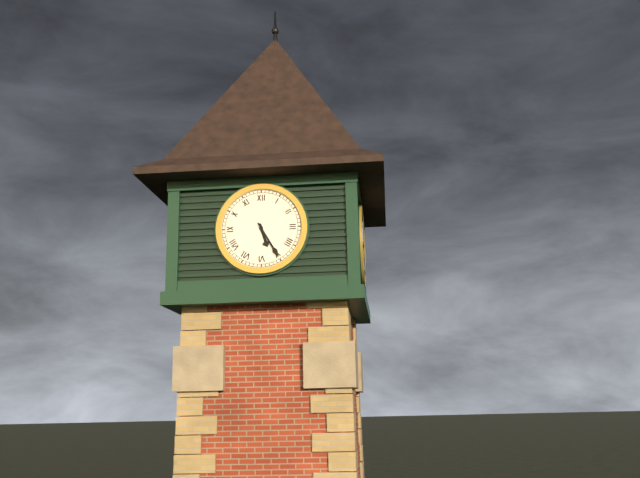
5:25
